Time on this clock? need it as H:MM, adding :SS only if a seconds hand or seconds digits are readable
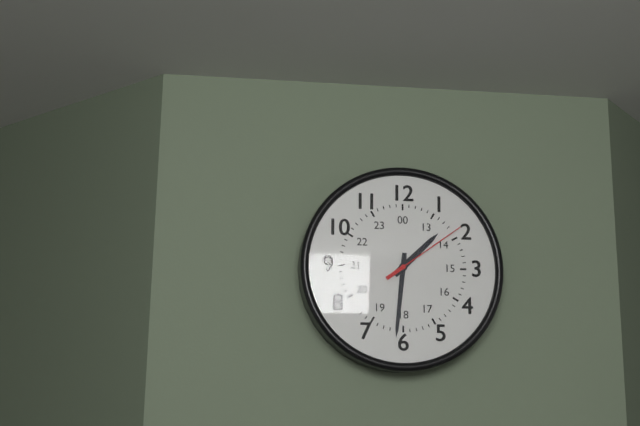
1:31:09
